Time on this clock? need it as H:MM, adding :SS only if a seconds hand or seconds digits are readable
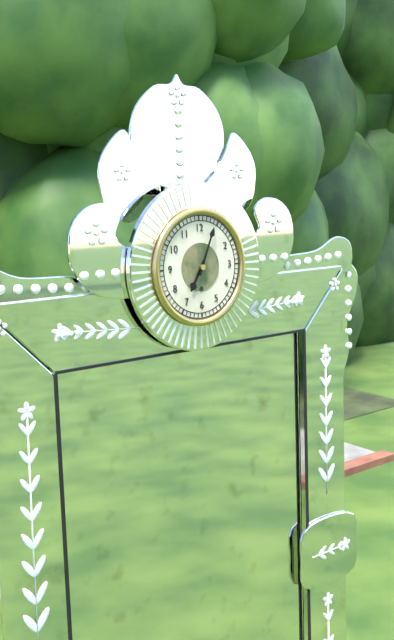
7:04
